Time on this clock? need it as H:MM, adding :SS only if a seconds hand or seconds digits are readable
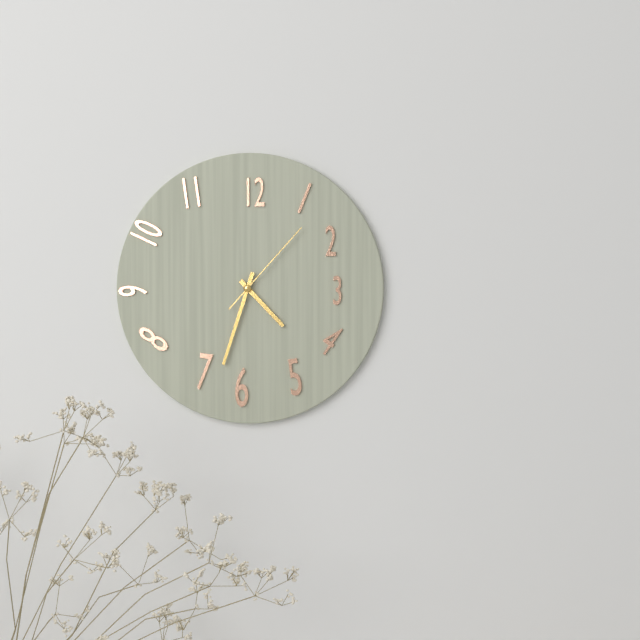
4:33:07
